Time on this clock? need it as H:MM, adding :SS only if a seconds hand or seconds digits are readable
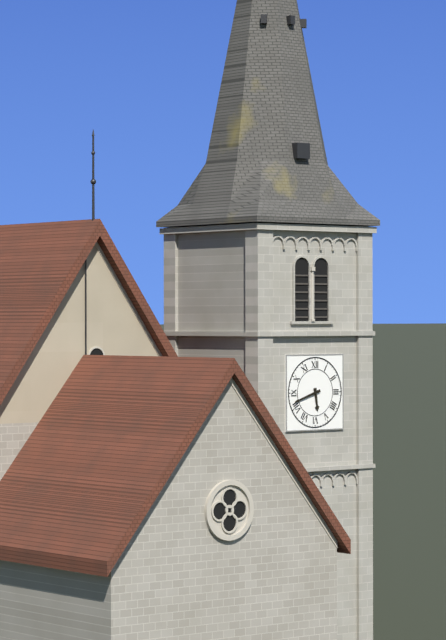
5:42
